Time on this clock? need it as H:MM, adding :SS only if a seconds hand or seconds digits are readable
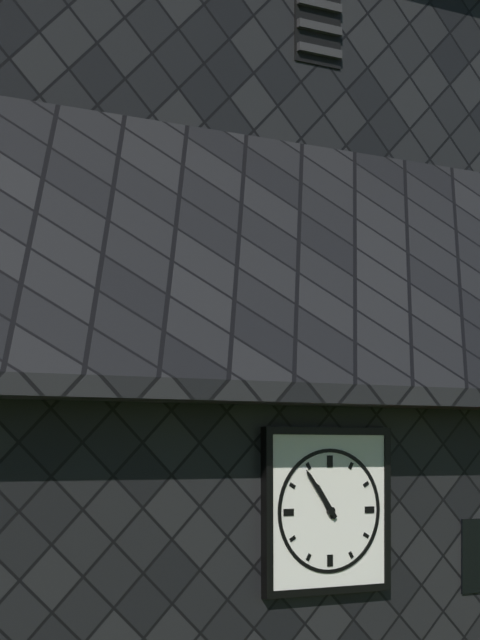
10:54
